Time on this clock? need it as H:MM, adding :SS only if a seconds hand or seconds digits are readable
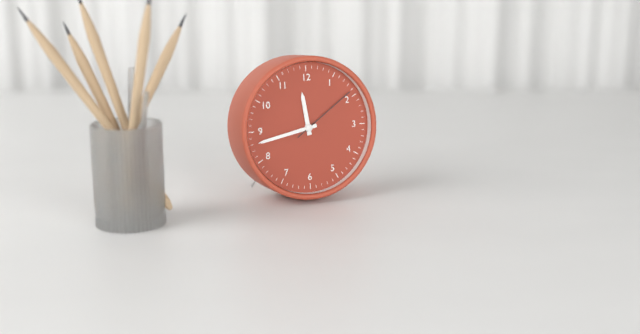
11:43:09
